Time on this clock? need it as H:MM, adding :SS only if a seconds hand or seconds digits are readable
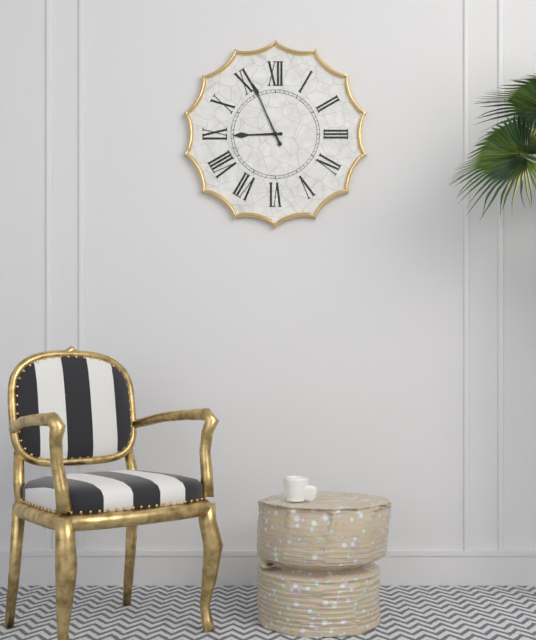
8:56
